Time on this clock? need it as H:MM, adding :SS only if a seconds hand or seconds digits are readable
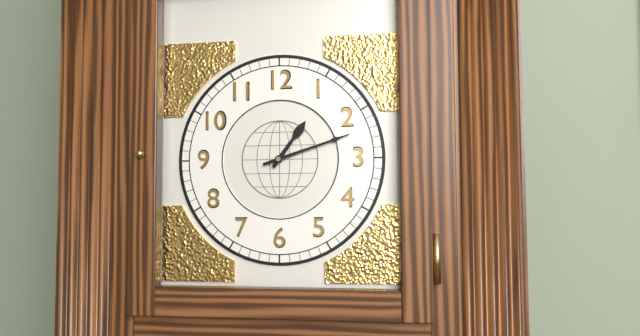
1:12
